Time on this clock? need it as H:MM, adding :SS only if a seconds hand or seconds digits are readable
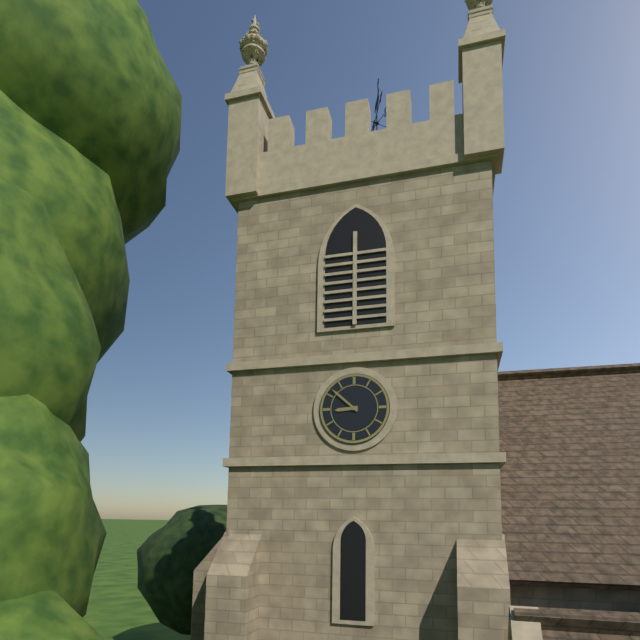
8:52
